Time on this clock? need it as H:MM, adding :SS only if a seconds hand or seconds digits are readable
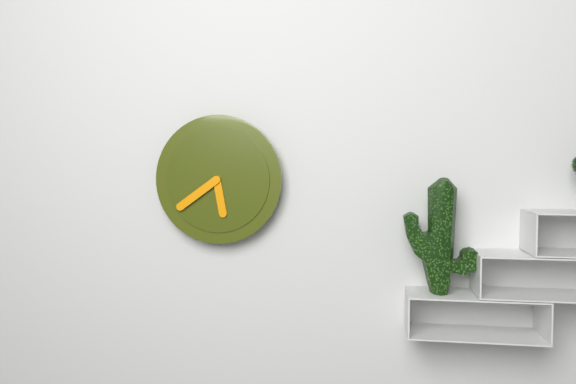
5:39
